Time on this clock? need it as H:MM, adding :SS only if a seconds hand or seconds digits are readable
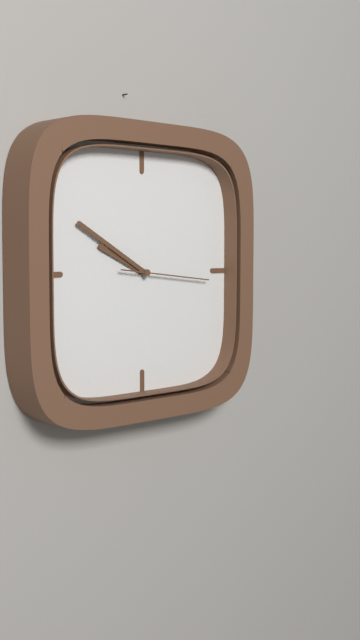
9:50:16
